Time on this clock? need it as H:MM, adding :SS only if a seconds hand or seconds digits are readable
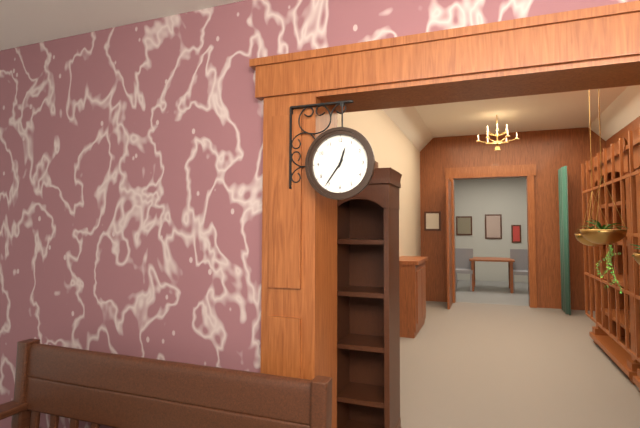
12:36
